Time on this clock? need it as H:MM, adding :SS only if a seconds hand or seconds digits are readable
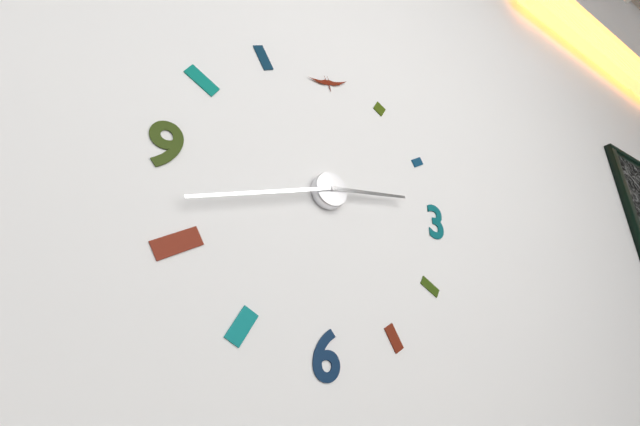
2:42
